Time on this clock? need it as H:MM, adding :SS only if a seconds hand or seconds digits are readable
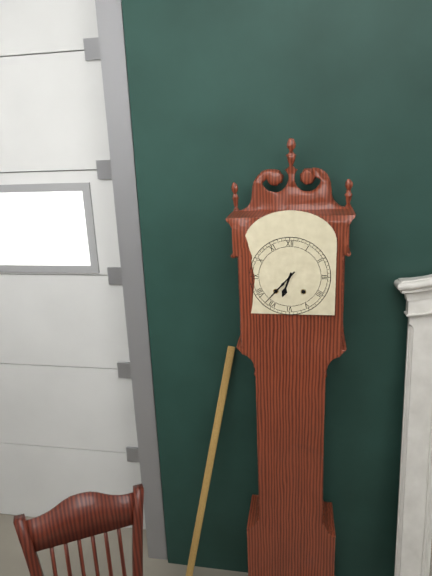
6:37
